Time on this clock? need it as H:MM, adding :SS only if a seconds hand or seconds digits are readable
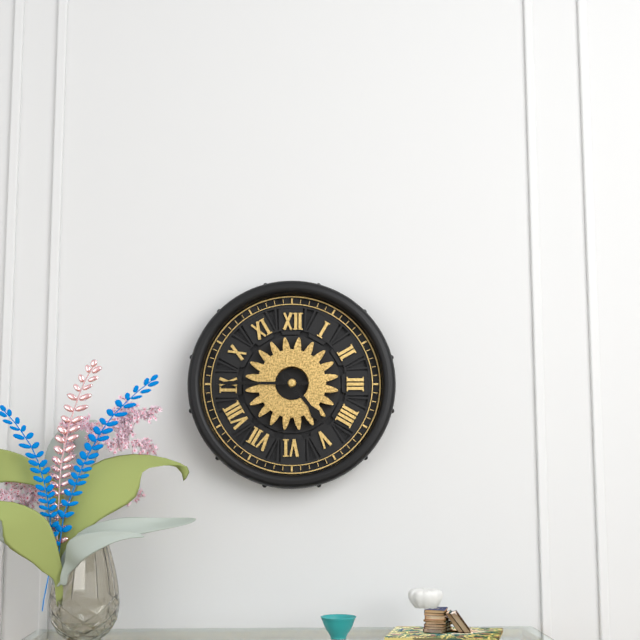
4:45
